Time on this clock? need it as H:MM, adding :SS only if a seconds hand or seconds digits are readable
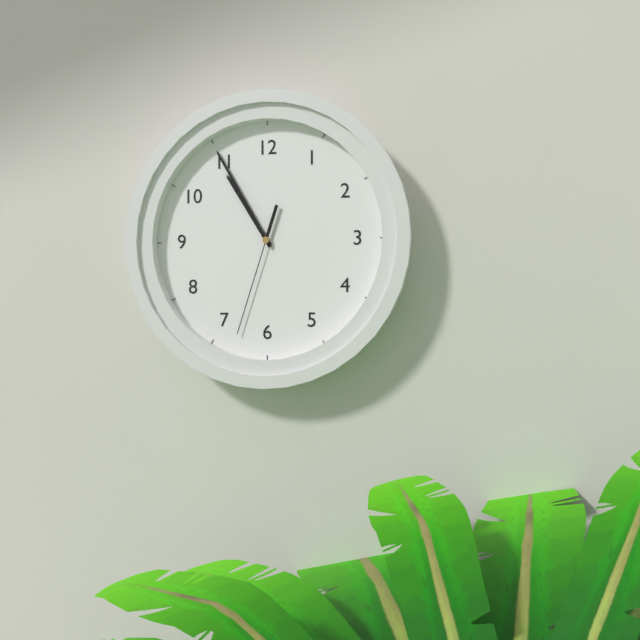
10:55:33
